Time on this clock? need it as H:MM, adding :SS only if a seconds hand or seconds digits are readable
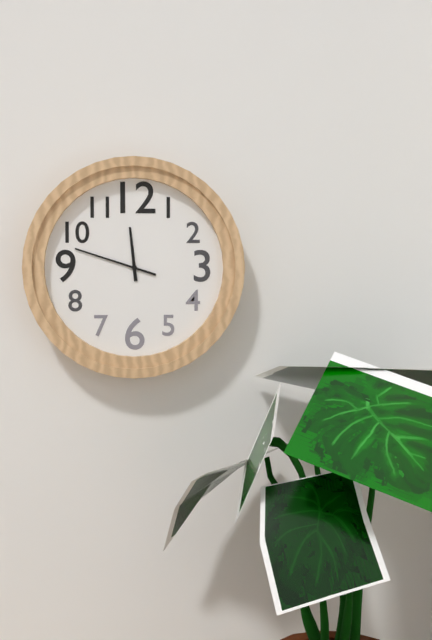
11:48
